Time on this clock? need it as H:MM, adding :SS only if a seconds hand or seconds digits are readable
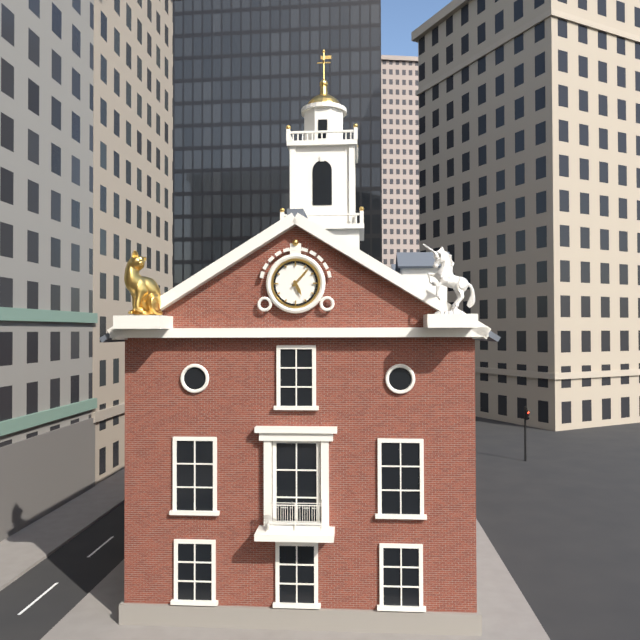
5:07
